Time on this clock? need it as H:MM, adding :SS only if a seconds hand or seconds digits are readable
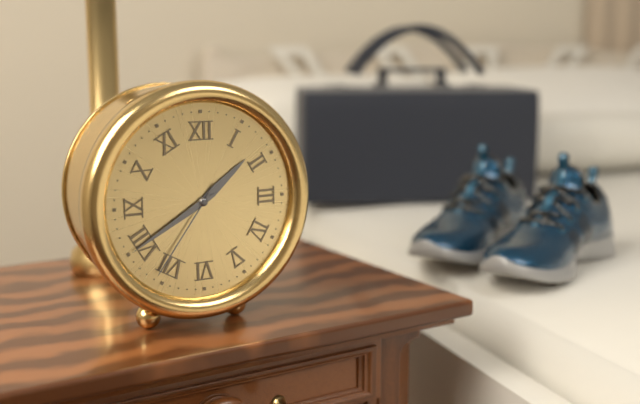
1:40:36
